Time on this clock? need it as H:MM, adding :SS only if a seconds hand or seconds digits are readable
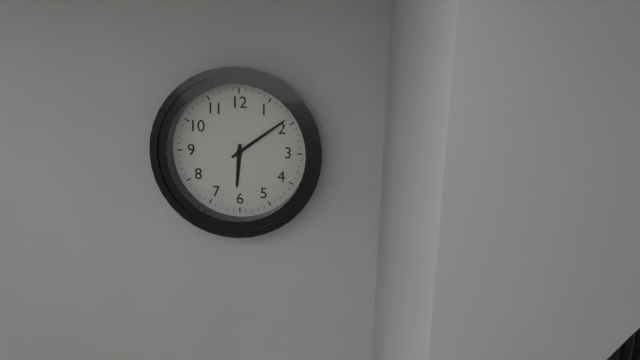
6:09
